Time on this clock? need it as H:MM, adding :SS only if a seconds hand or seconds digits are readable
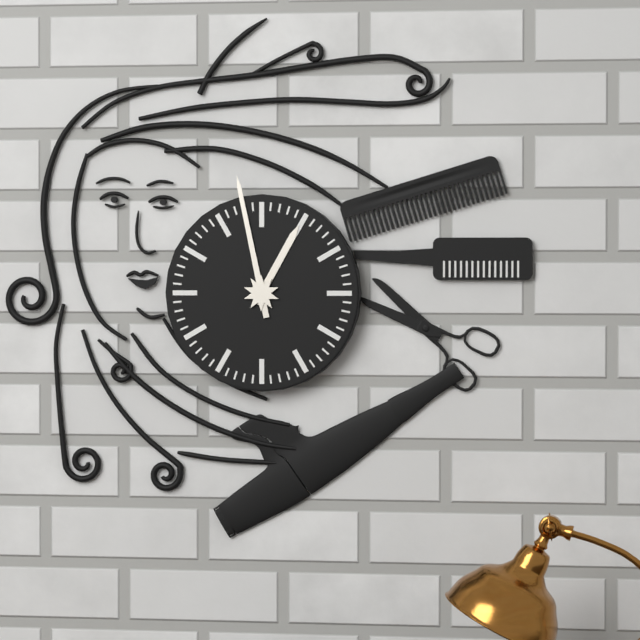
12:58
